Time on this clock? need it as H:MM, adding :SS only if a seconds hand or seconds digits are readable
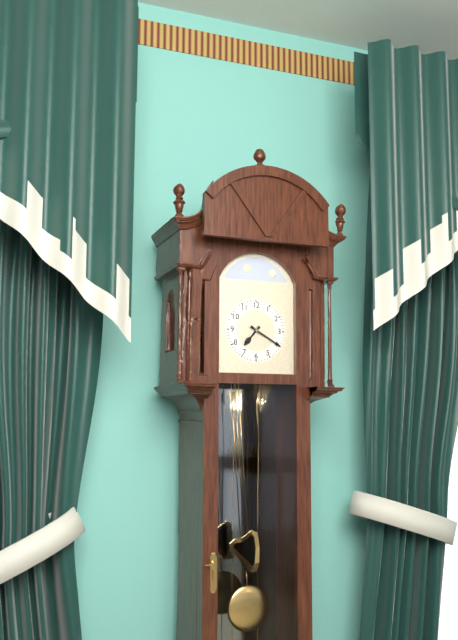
7:20
